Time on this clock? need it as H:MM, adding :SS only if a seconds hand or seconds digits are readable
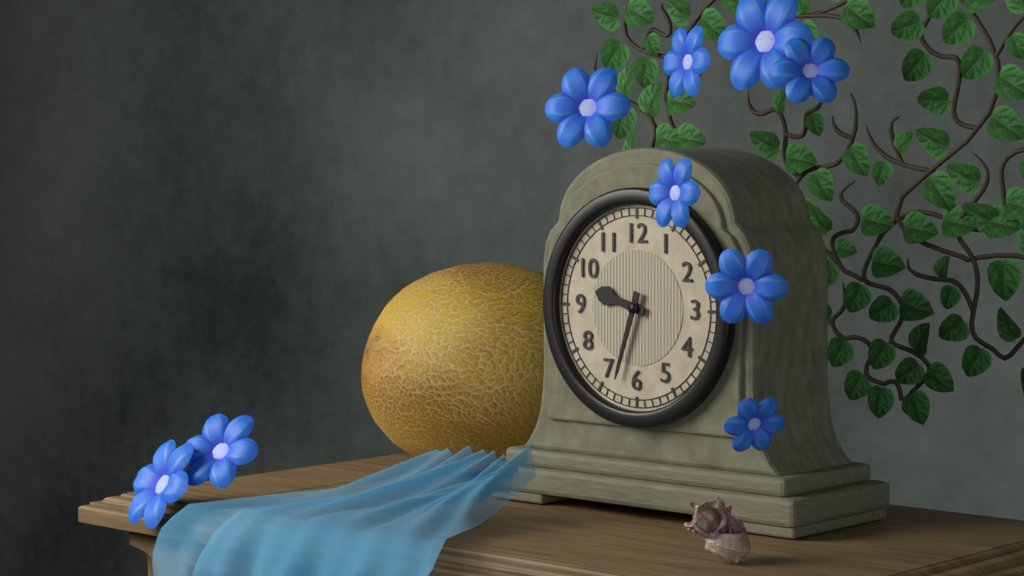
9:33
